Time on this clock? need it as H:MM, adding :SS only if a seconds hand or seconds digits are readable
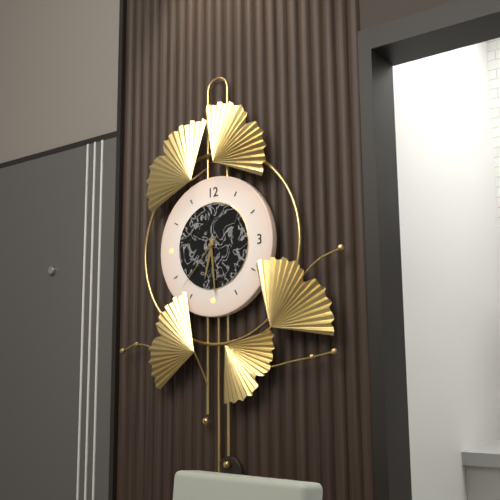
6:29:37
